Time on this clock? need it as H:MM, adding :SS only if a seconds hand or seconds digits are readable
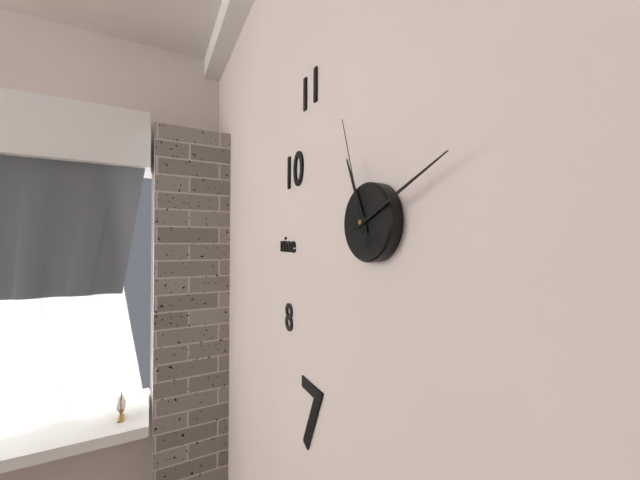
11:11:57
